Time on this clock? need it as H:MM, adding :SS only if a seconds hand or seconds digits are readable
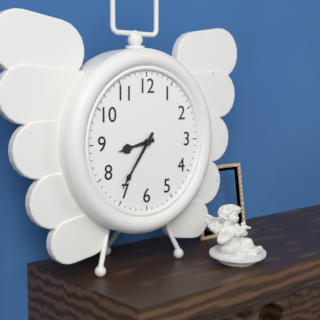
8:36
